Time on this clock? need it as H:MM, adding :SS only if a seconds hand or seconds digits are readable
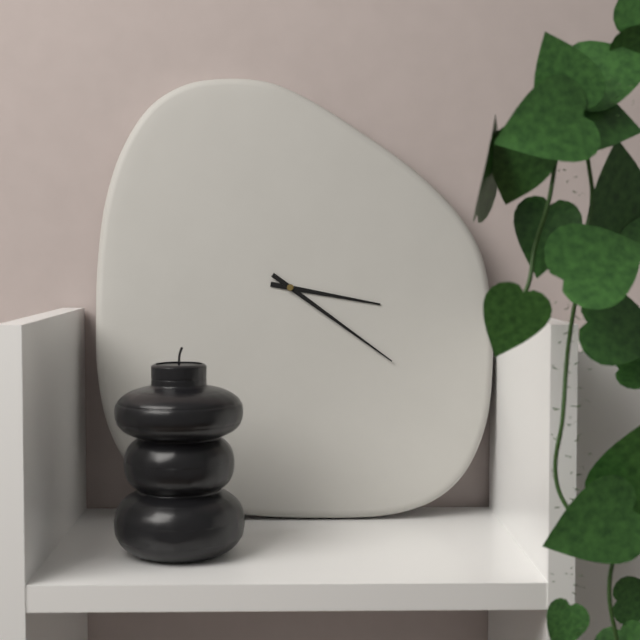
3:21
